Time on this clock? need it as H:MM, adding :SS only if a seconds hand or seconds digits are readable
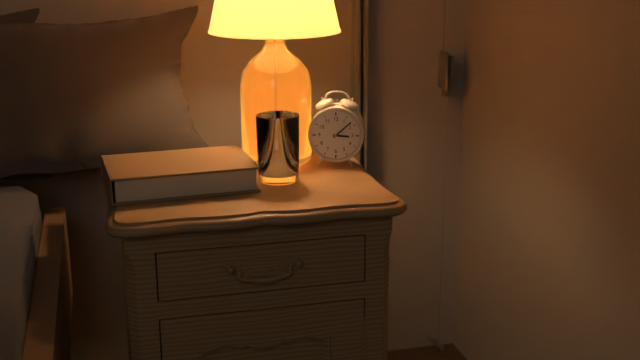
3:08
